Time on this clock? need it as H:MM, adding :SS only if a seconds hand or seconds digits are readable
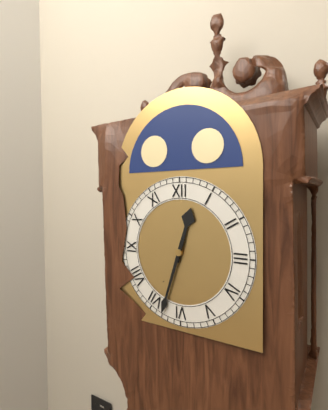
12:33
